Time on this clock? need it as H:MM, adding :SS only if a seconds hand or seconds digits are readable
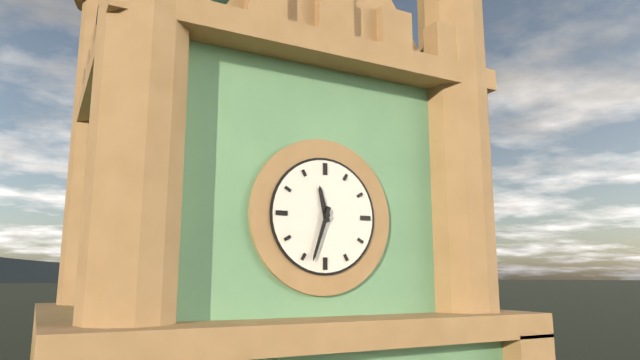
11:33
